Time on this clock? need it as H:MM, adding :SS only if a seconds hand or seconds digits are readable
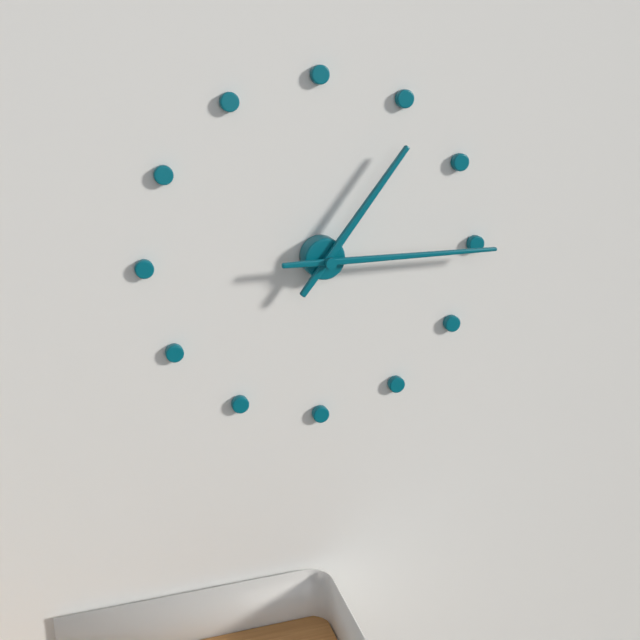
1:15
